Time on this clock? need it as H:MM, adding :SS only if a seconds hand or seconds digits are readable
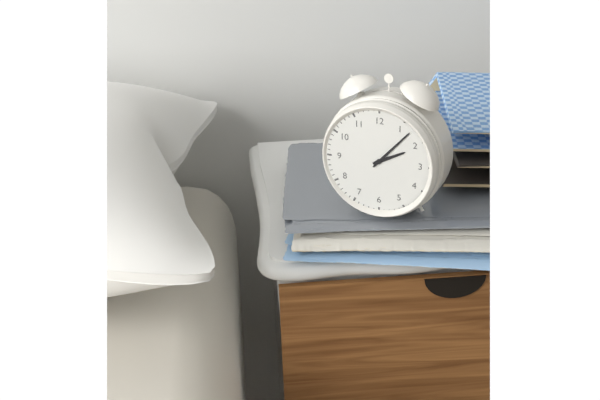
2:07
